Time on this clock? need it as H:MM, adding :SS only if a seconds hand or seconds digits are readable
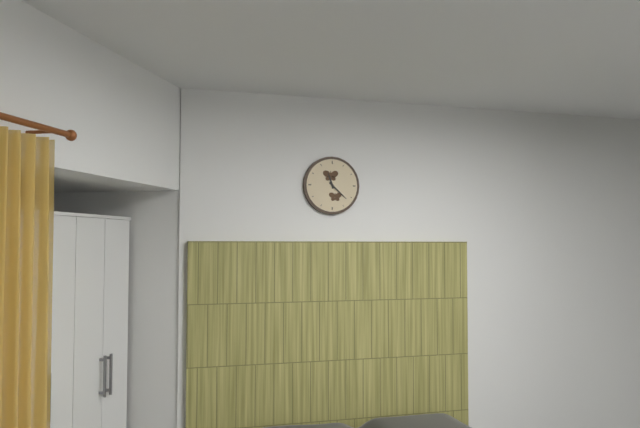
11:22
